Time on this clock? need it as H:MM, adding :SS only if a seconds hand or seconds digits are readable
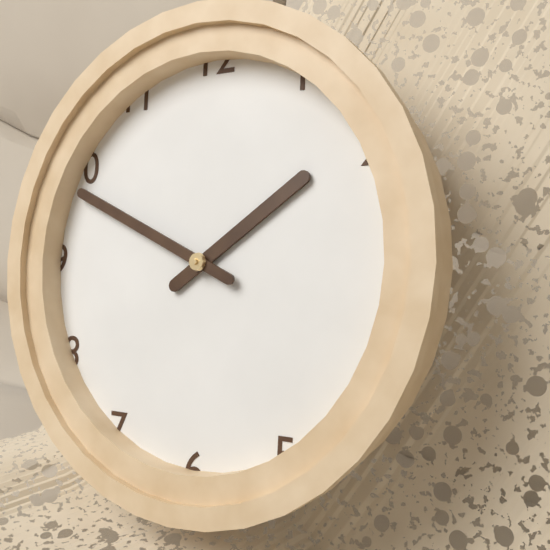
1:49
